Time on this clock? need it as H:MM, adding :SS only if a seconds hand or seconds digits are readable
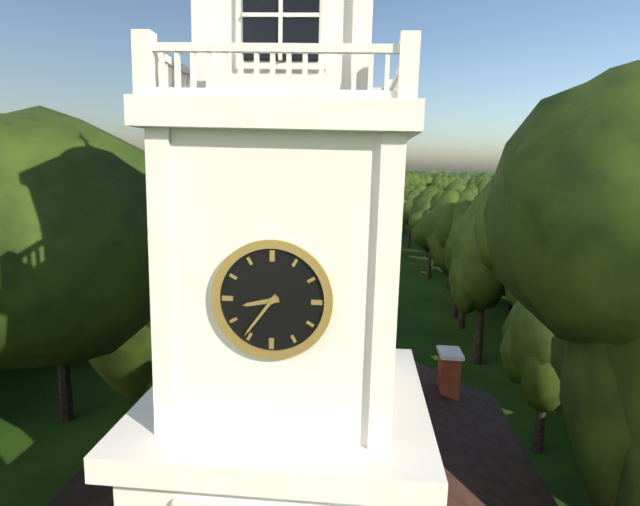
8:36
